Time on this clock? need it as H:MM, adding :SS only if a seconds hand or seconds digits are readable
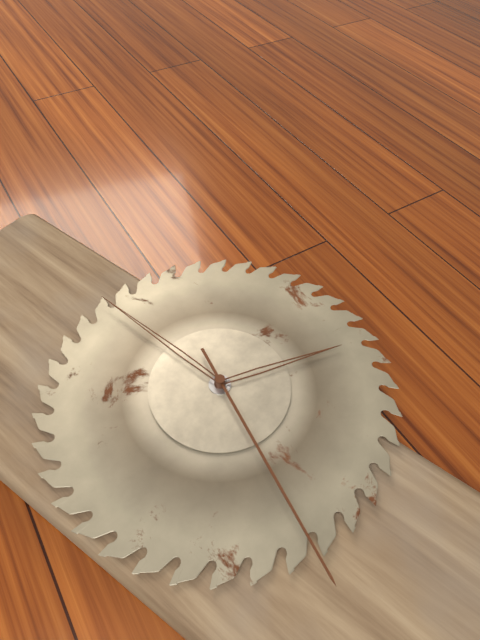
4:00:34
